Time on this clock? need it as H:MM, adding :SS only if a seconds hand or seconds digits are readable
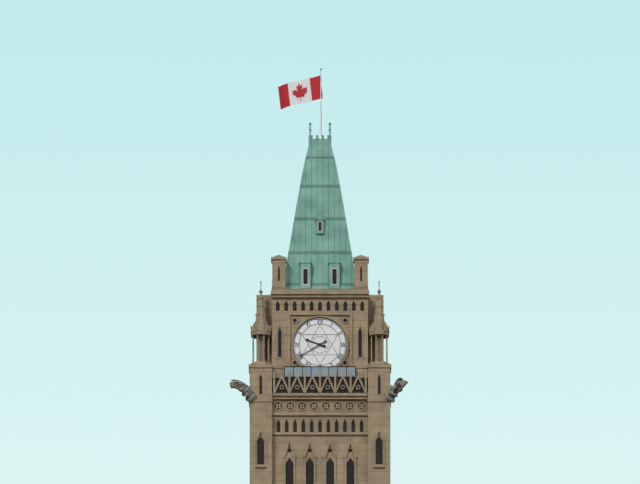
9:40
